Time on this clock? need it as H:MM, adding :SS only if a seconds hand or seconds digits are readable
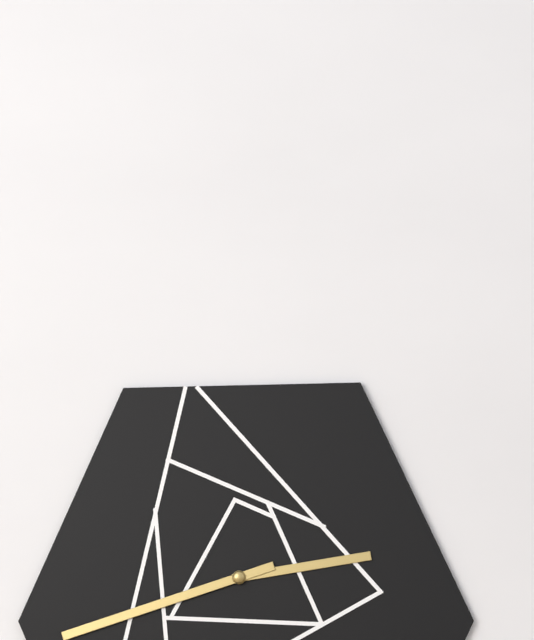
2:42
